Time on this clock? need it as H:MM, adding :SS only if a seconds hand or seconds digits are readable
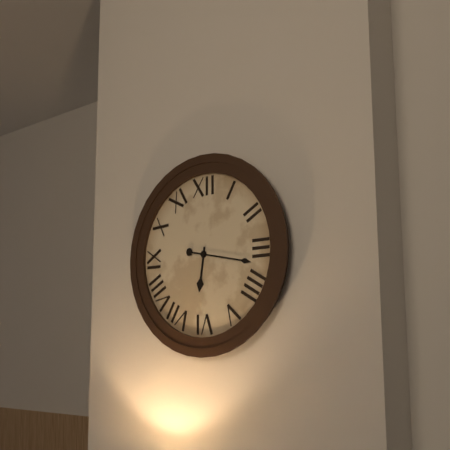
6:17
